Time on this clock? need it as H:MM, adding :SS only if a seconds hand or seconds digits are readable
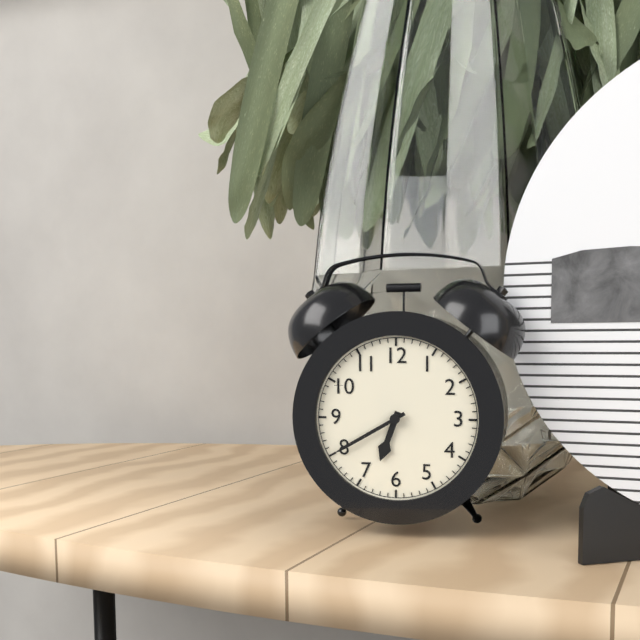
6:40
